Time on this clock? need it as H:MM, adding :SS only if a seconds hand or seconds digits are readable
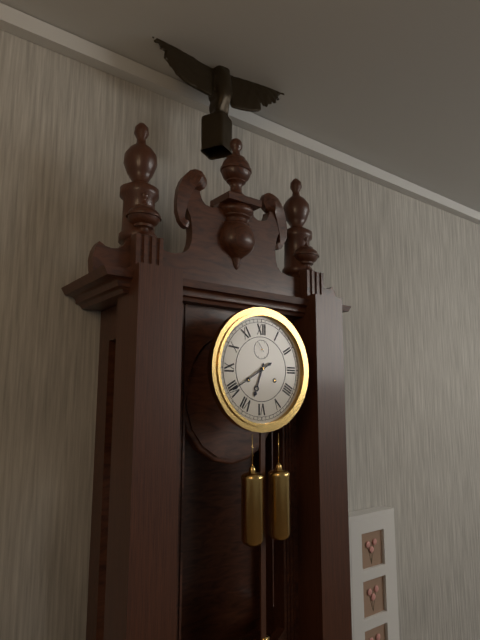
6:40
